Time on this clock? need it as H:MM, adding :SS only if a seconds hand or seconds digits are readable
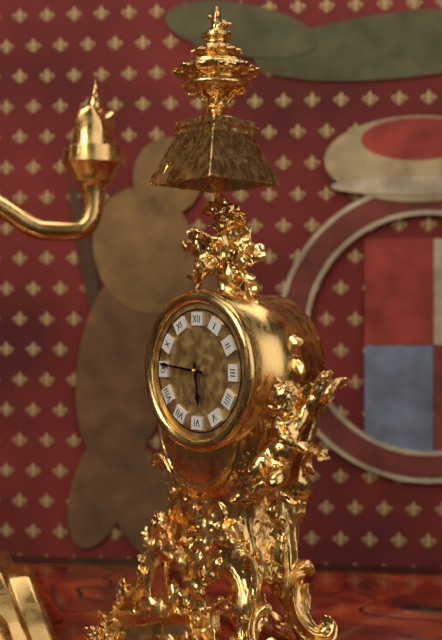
5:46
